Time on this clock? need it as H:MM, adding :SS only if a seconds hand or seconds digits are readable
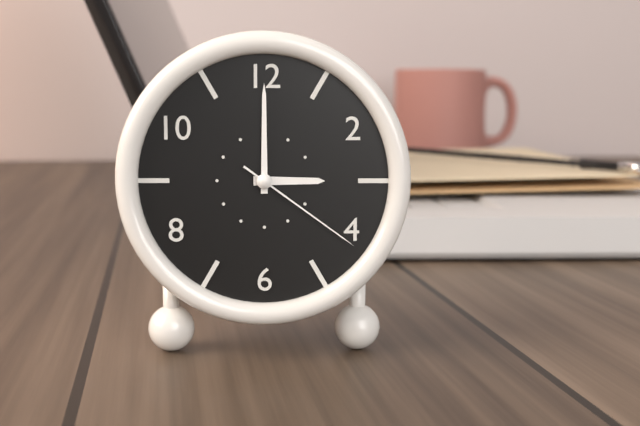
3:00:21
